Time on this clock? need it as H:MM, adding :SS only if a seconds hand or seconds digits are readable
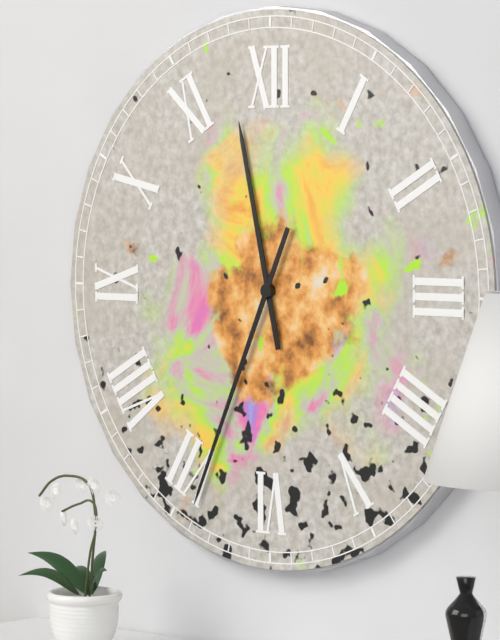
11:34
